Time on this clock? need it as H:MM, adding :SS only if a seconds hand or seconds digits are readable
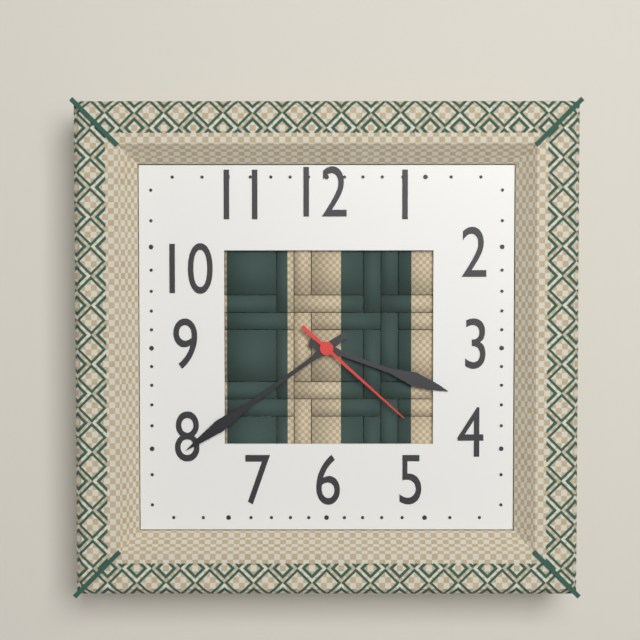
3:39:22
